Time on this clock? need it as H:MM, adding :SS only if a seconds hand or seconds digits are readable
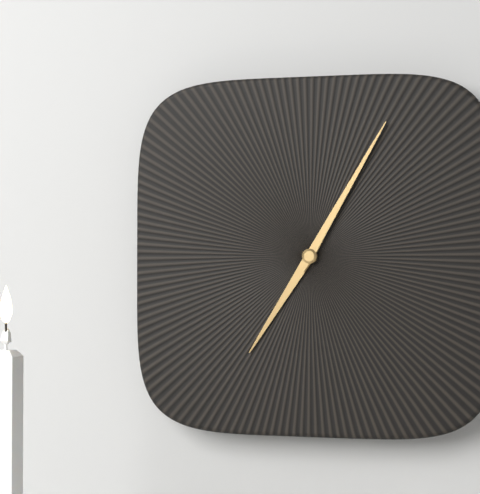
7:05
